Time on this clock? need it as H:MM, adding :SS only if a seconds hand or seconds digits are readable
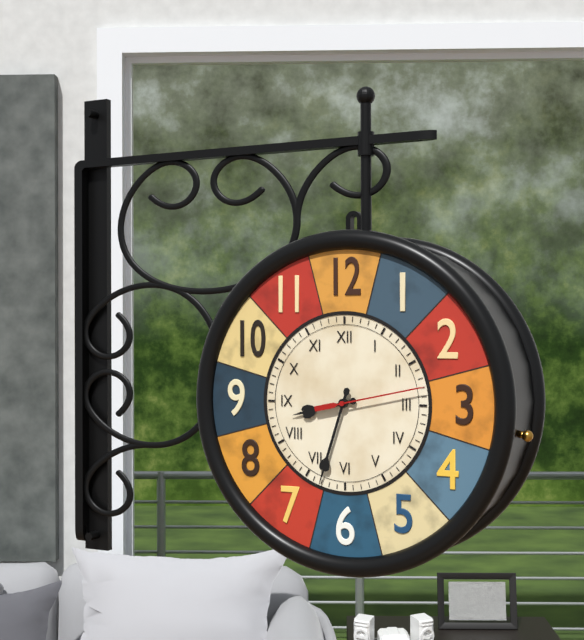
8:33:13
